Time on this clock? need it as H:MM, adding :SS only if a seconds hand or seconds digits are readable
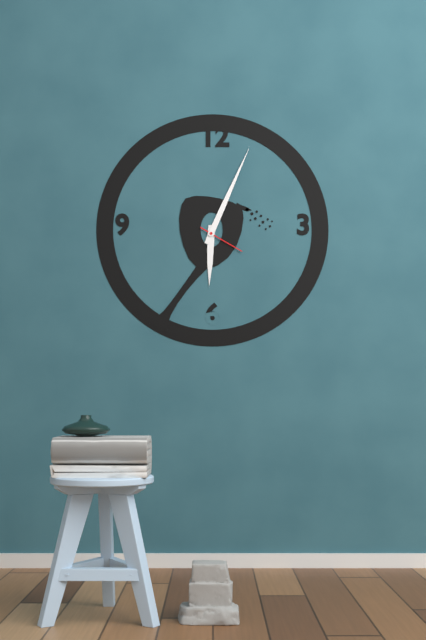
6:04
